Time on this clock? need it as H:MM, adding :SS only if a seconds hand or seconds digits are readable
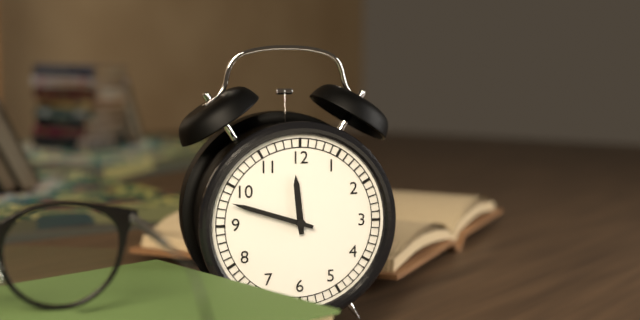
11:48
